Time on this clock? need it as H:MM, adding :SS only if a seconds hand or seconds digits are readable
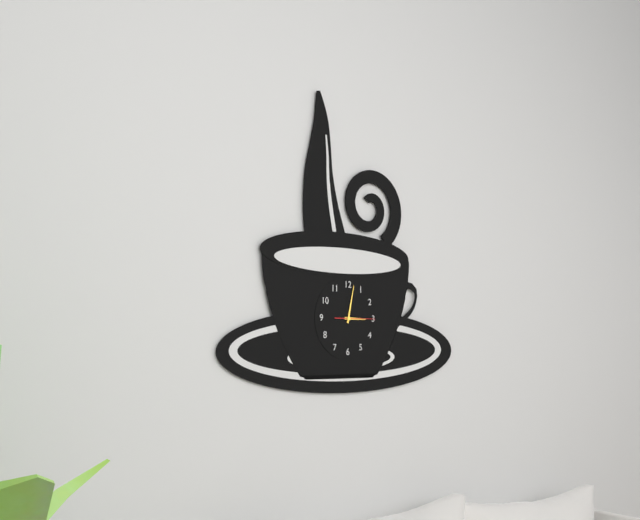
3:02
